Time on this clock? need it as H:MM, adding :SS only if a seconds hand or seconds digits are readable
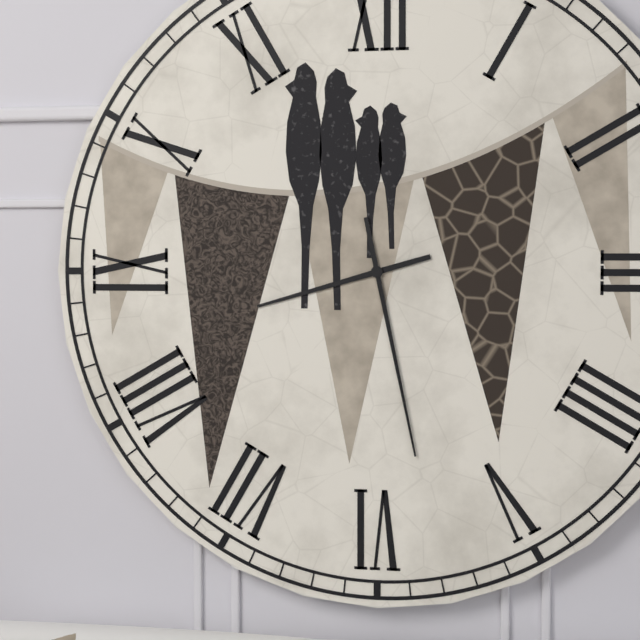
8:28
